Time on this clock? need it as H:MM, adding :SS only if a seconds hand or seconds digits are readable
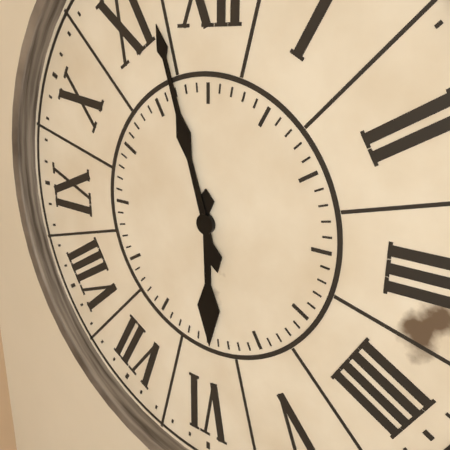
5:57
